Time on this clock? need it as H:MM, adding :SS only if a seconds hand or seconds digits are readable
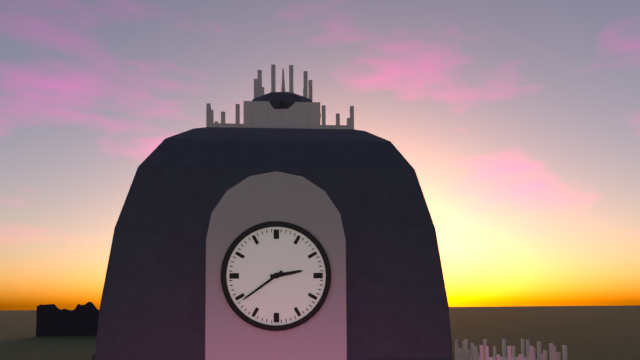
2:39
